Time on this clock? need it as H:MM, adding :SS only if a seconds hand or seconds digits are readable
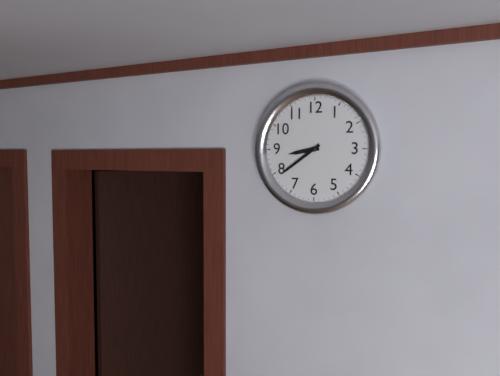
8:39
